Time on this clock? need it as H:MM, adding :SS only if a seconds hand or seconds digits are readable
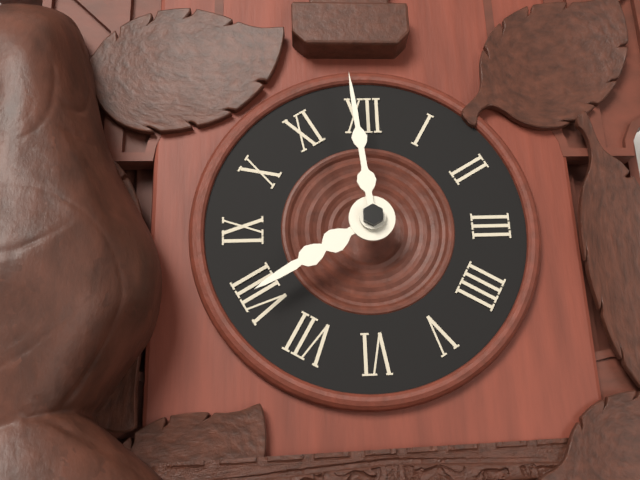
7:59
